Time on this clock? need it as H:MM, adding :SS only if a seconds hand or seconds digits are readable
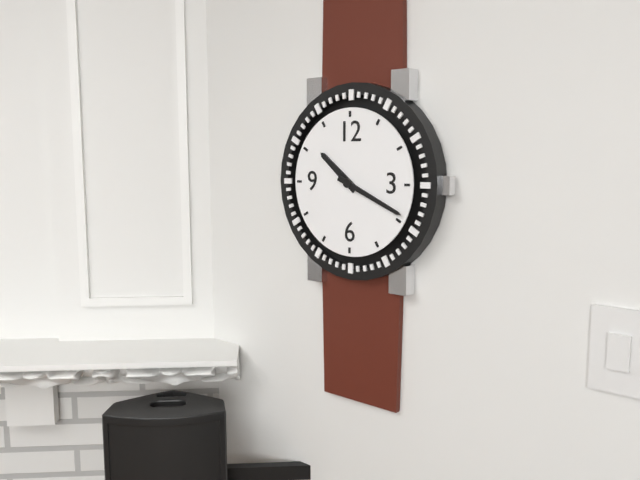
10:19
